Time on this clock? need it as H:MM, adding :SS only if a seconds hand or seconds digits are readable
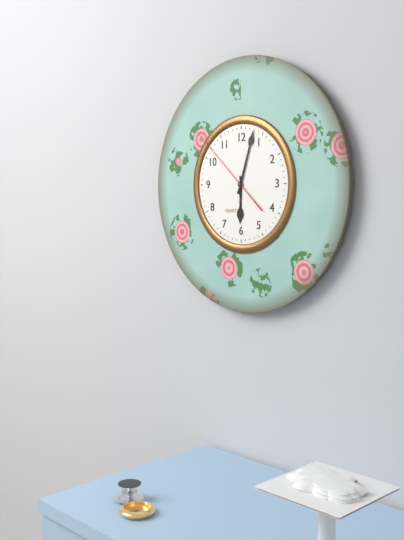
6:03:52
